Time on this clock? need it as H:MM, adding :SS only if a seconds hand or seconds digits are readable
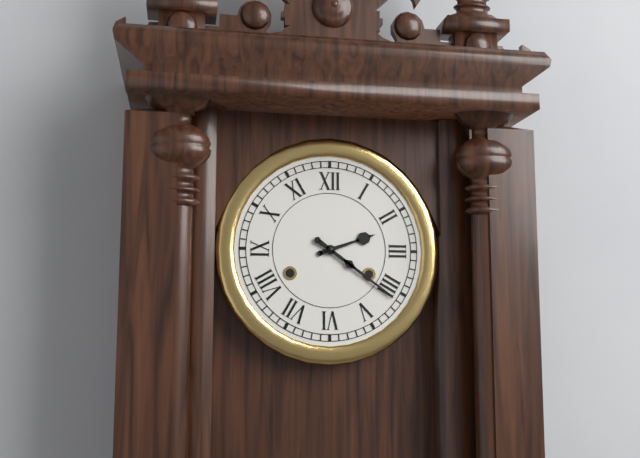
2:21
